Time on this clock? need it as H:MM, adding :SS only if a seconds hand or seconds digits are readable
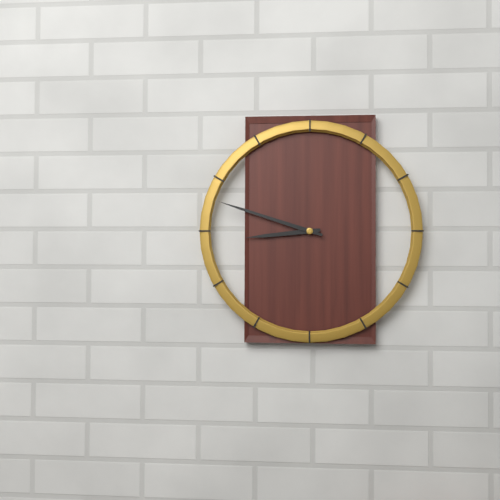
8:48
